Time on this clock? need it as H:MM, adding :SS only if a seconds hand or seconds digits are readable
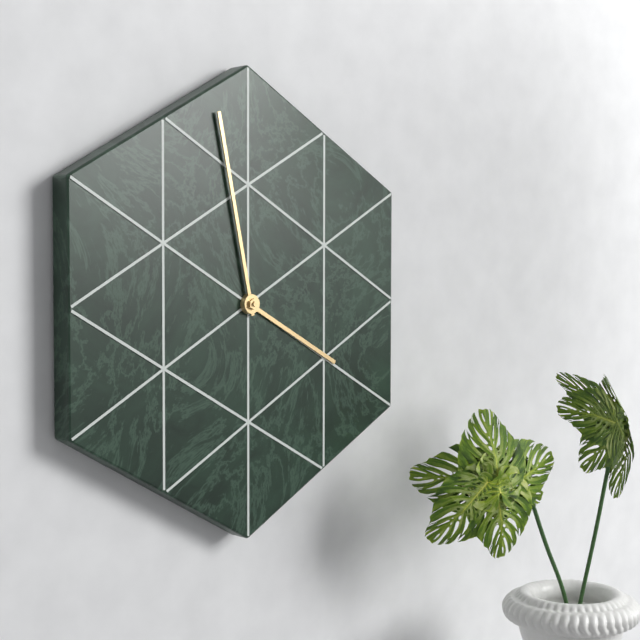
3:58
